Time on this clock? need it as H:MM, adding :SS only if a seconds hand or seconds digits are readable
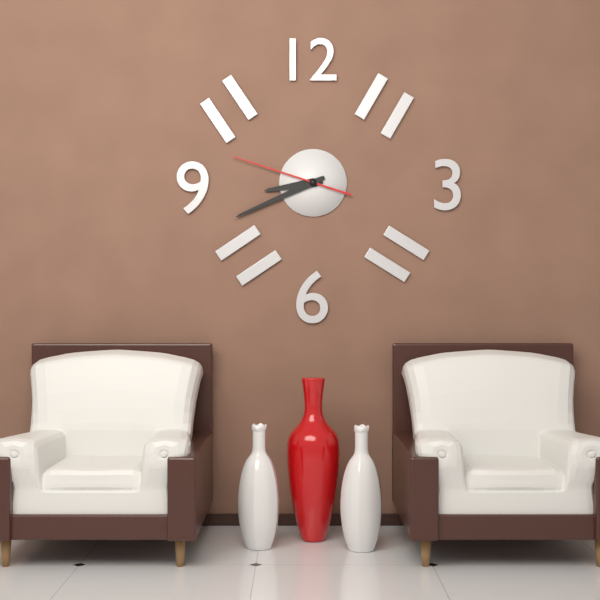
8:41:48
